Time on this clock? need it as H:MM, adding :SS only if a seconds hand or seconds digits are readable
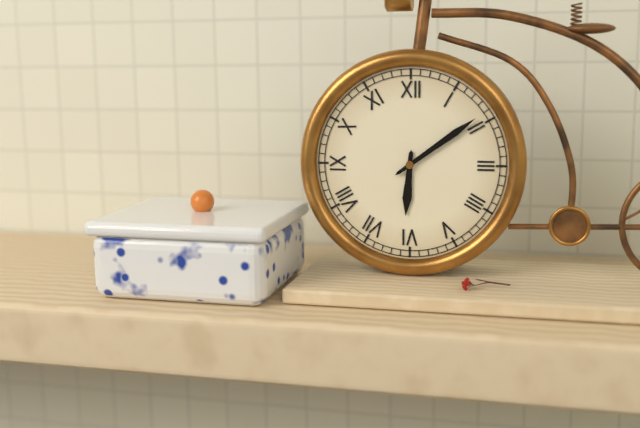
6:09
